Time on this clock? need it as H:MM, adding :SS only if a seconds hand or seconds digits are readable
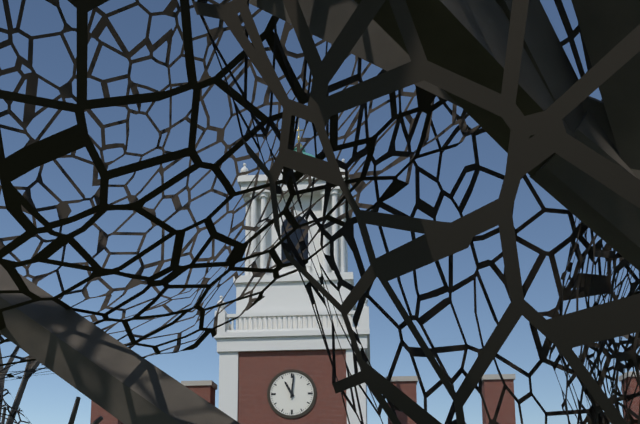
11:01
